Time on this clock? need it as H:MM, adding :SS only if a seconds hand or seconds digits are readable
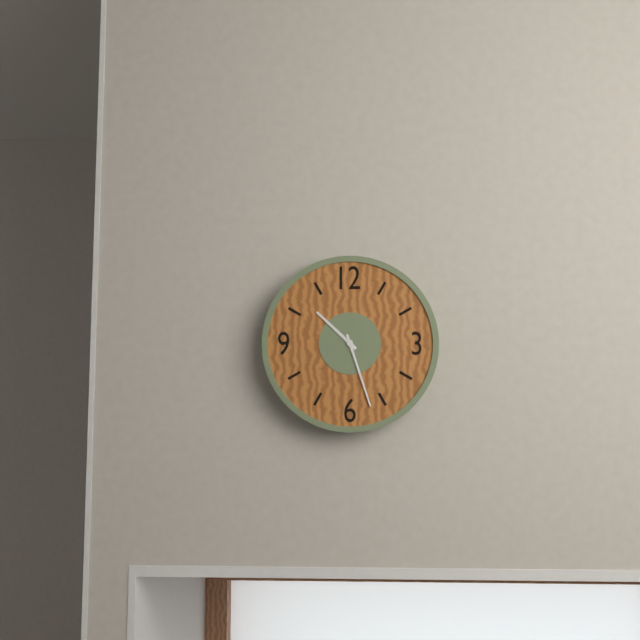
10:27
